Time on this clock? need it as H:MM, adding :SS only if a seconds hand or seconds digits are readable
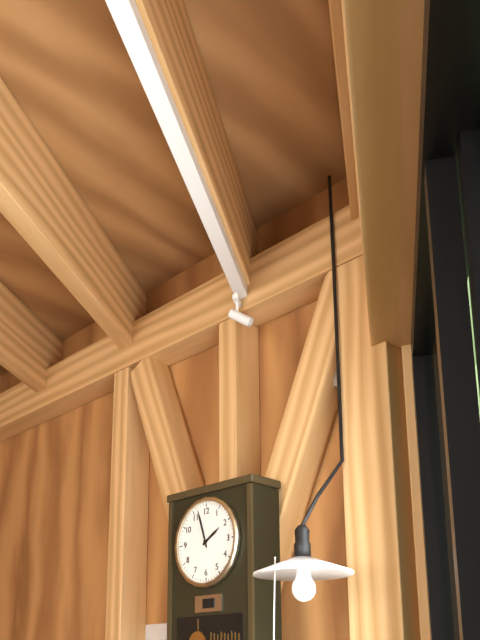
1:57
